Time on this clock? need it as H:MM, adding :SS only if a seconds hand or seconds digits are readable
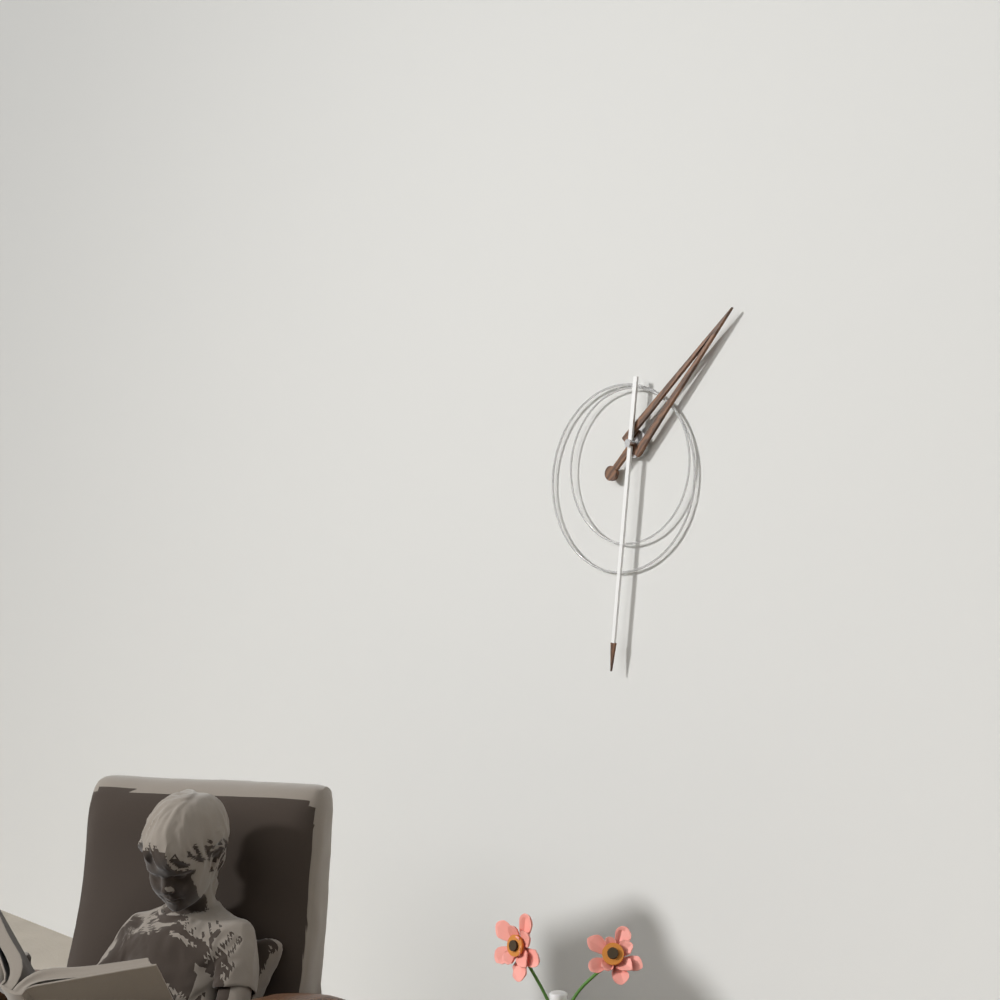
1:31
